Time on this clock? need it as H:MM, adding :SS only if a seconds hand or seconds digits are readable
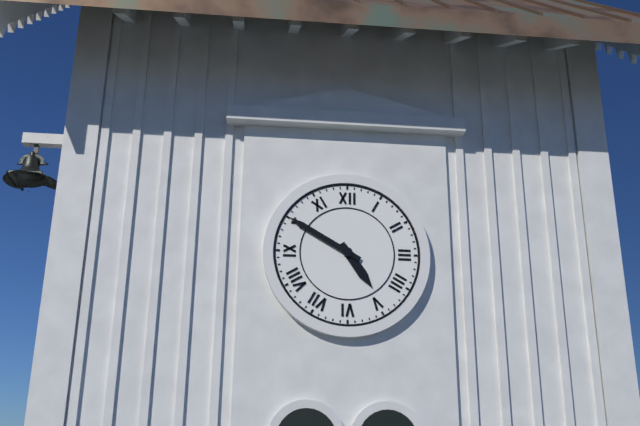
4:50
